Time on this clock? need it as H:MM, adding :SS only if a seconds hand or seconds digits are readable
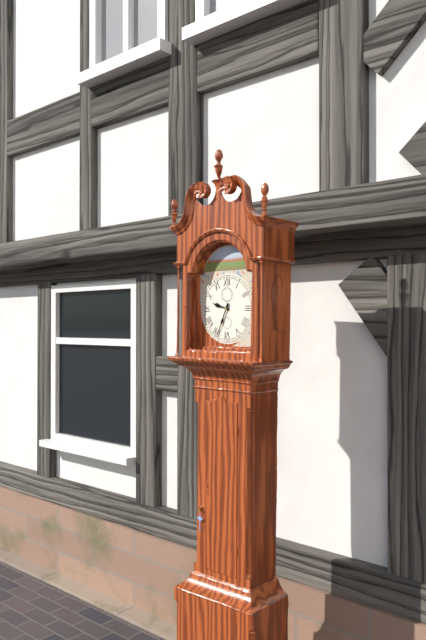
9:34
